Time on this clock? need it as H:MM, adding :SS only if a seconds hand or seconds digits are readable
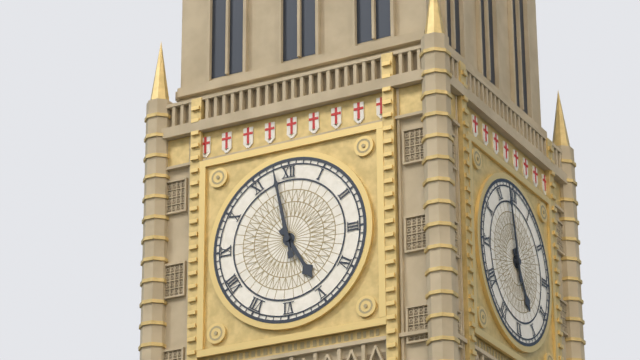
4:58
